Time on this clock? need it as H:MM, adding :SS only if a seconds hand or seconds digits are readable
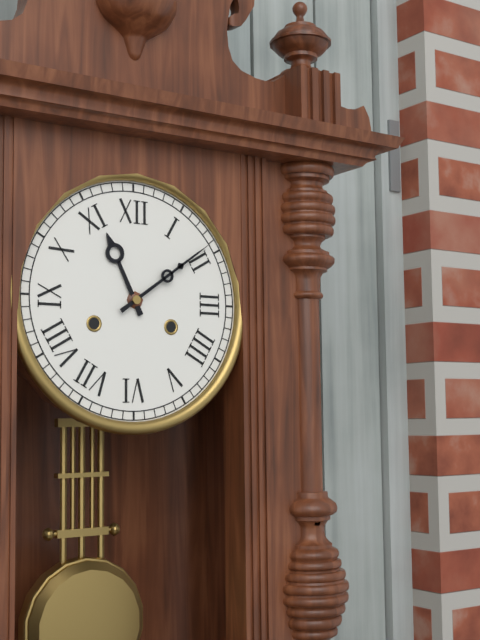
11:09
